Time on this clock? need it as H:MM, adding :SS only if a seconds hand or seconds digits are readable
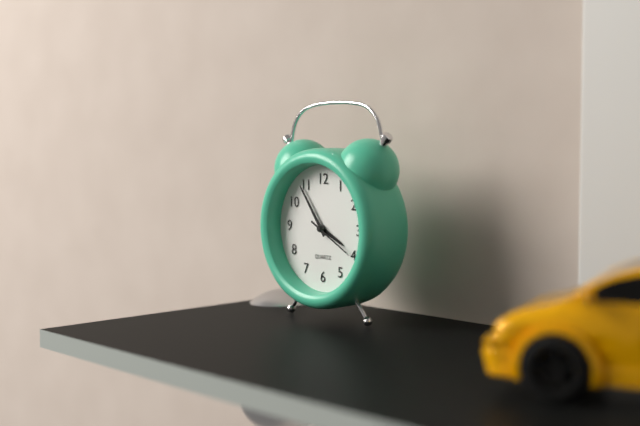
3:54:20
